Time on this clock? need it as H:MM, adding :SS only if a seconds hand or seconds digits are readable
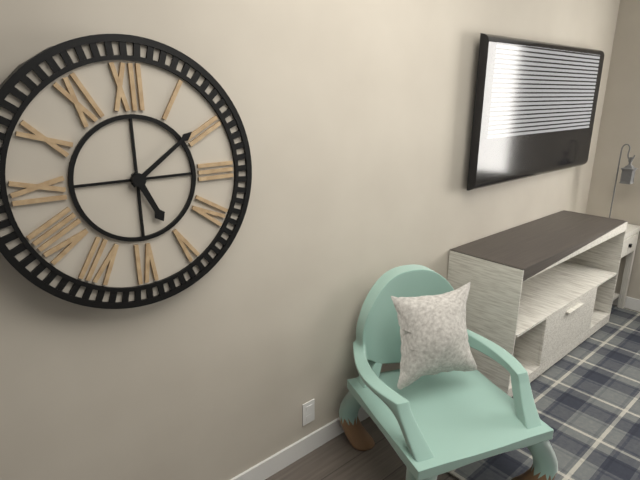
5:09
